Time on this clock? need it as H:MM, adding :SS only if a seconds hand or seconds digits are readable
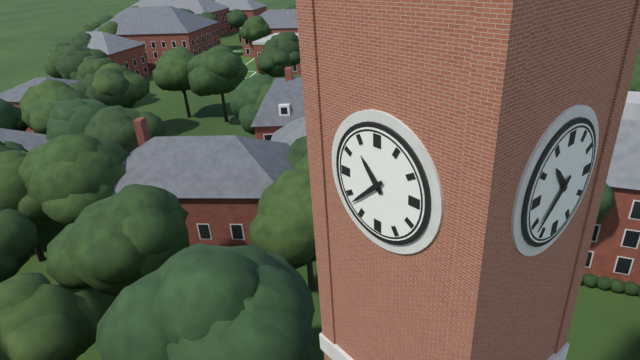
10:38
